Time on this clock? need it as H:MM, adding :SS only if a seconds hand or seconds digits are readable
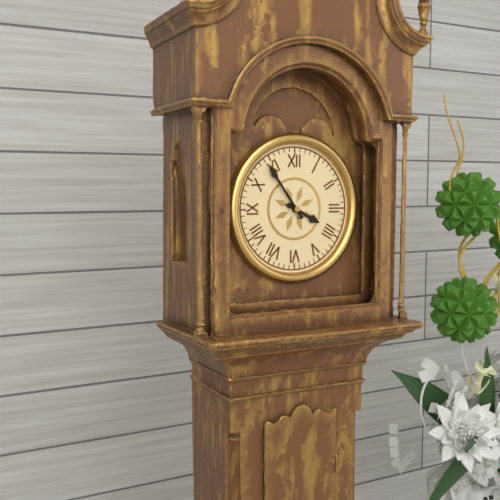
3:54
